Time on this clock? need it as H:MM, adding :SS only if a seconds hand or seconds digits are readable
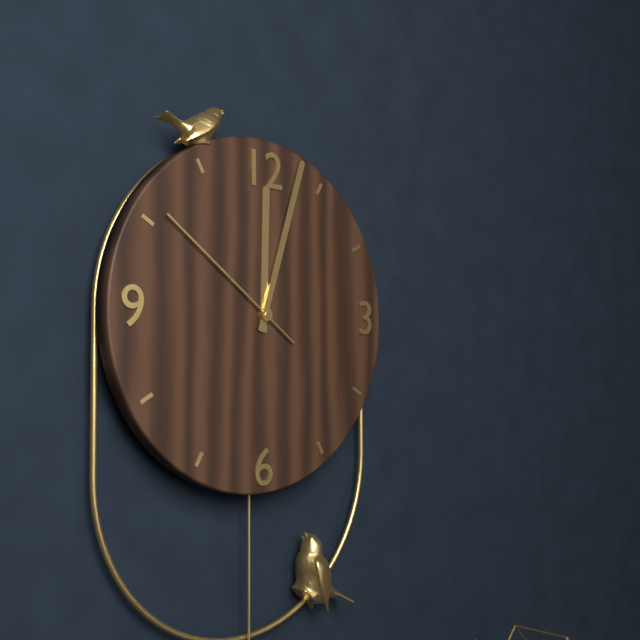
12:03:51
